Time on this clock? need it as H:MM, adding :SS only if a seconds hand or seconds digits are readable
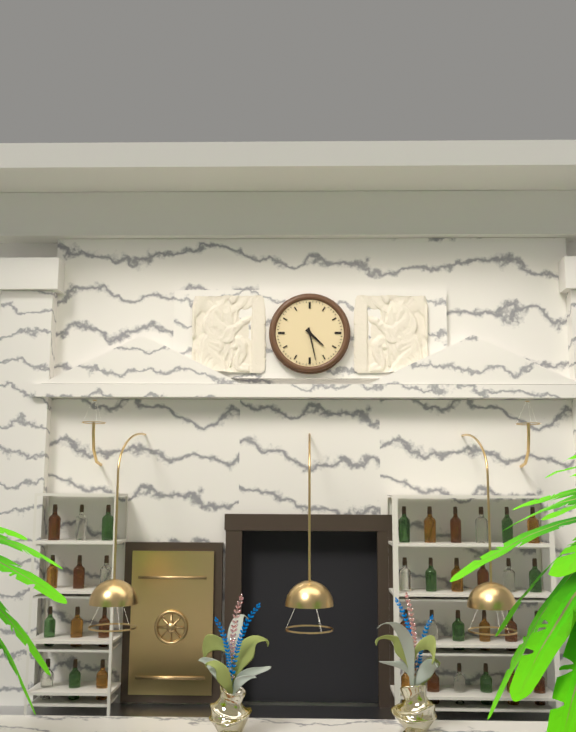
4:28
